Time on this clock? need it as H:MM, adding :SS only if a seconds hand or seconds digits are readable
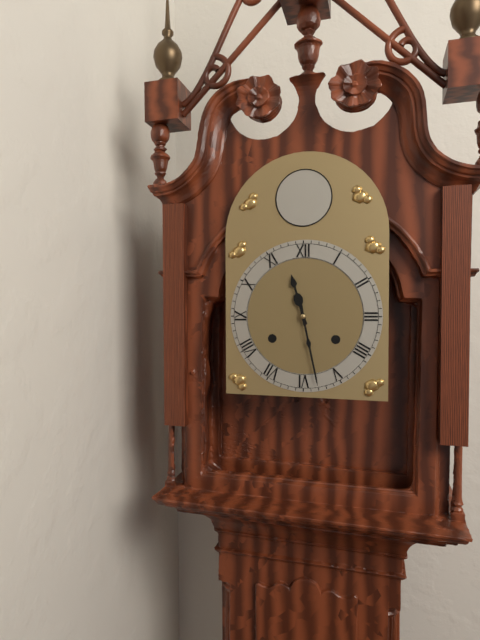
11:28
